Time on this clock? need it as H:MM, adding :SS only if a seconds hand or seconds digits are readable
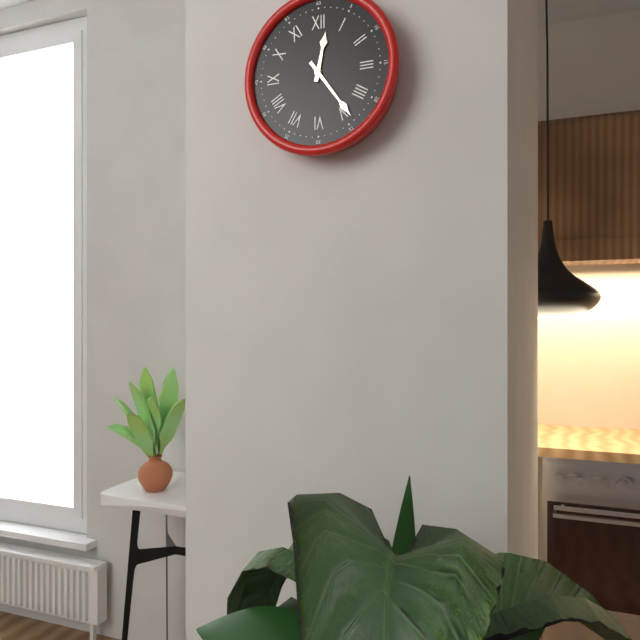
12:24
